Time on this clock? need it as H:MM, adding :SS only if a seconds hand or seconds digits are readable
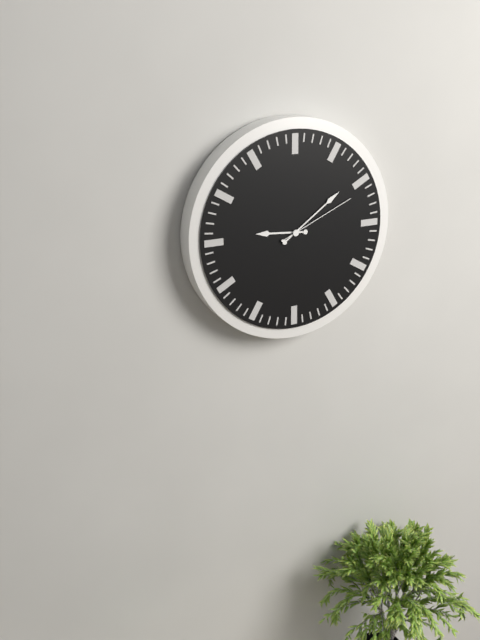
9:09:11
